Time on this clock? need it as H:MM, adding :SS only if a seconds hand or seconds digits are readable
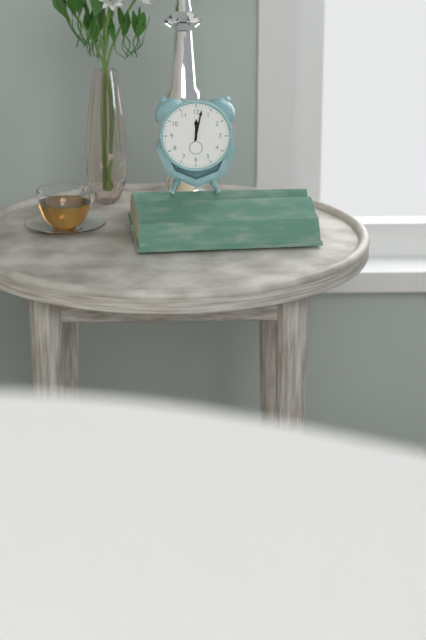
12:02
